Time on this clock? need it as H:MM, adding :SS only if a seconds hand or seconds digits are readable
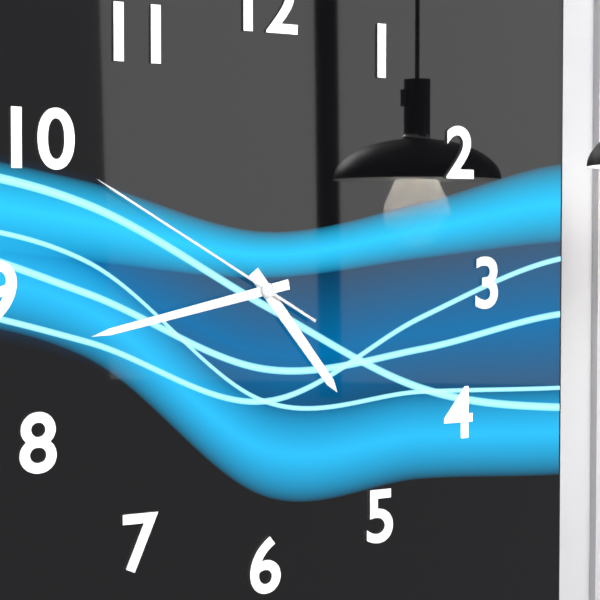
4:43:50
